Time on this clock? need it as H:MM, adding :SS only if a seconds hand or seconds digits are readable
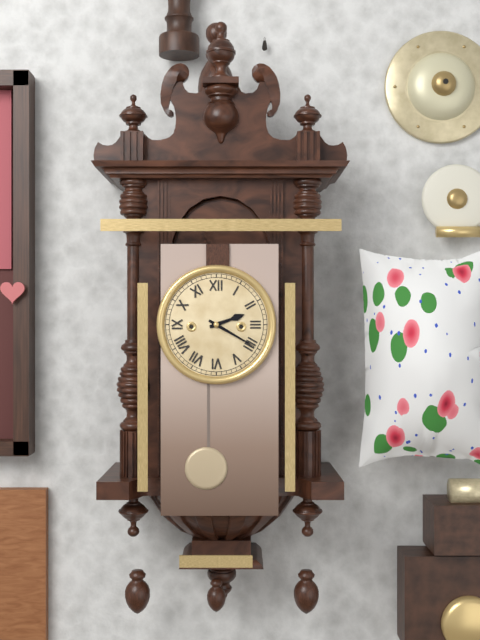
2:20
